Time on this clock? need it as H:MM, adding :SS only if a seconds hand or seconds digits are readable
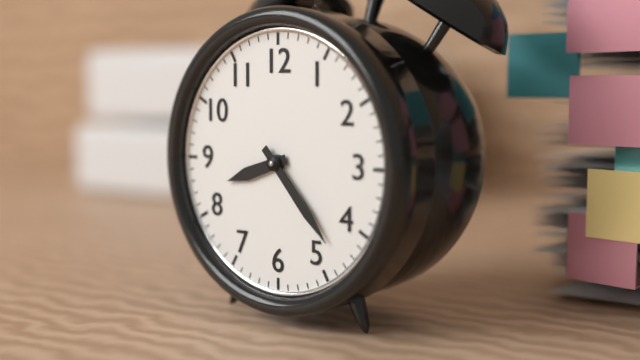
8:23
